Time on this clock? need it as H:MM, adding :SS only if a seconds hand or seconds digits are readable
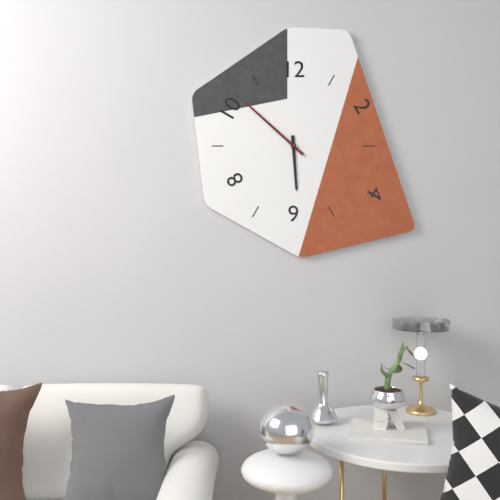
5:52:52
